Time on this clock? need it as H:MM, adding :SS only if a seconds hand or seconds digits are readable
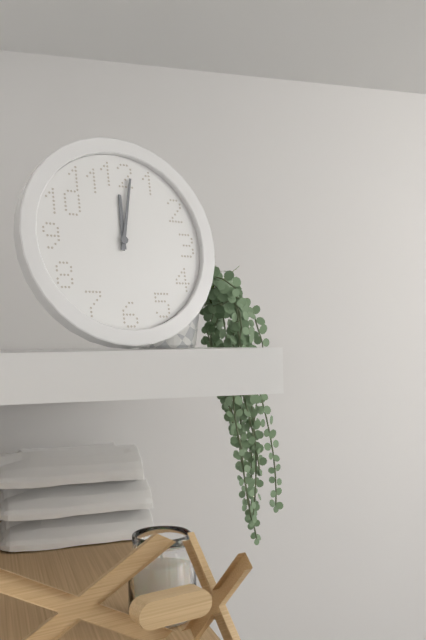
12:02
